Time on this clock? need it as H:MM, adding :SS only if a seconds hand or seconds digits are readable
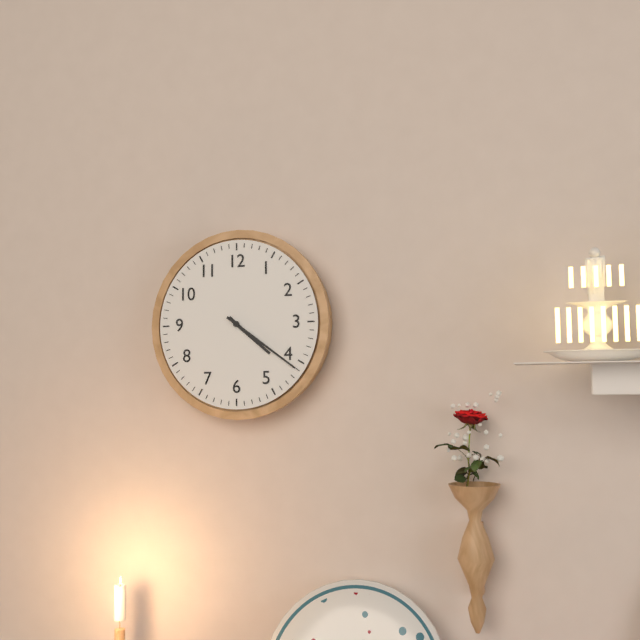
4:21
